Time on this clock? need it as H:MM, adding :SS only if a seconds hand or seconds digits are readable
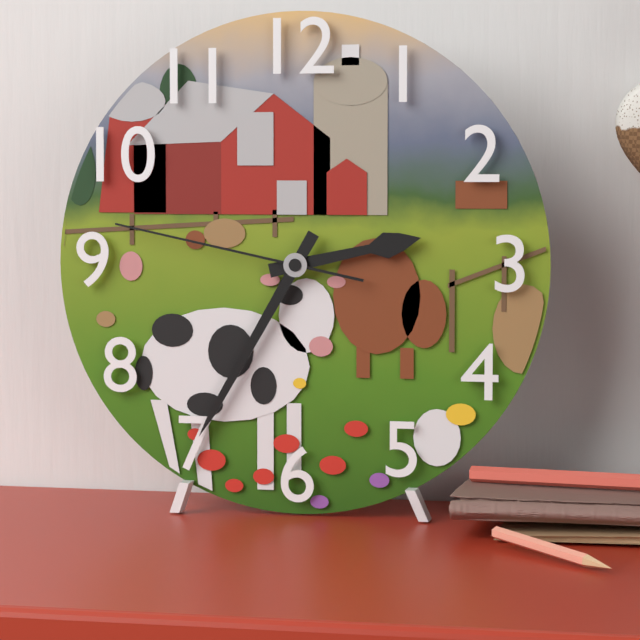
2:35:47
